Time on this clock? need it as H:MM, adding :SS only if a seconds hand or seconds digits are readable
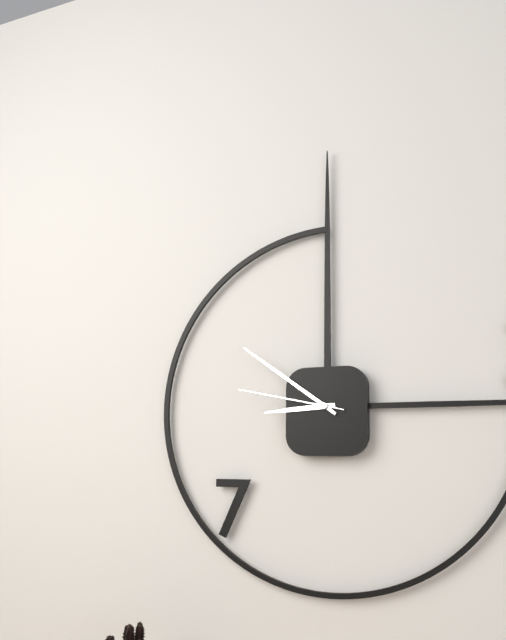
8:51:47
